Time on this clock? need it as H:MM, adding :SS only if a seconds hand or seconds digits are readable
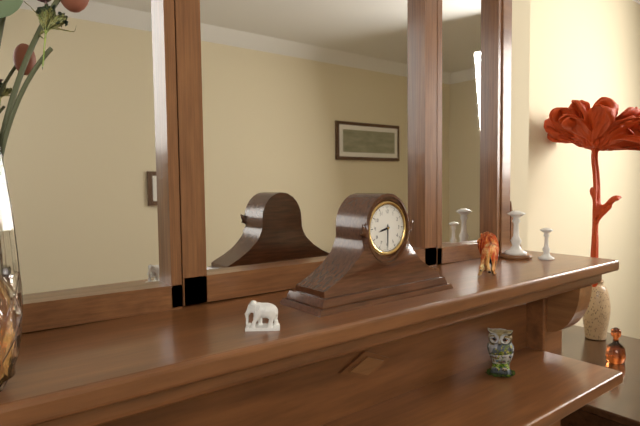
8:30
